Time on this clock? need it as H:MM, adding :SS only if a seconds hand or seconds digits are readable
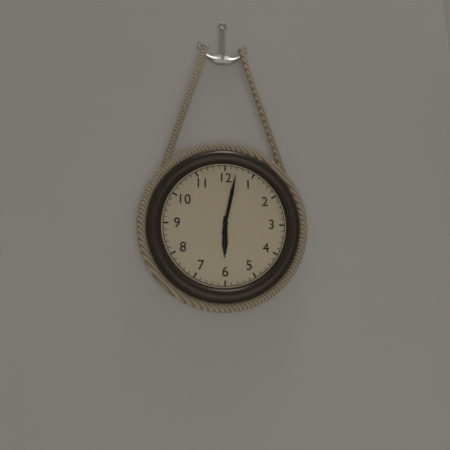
6:02
